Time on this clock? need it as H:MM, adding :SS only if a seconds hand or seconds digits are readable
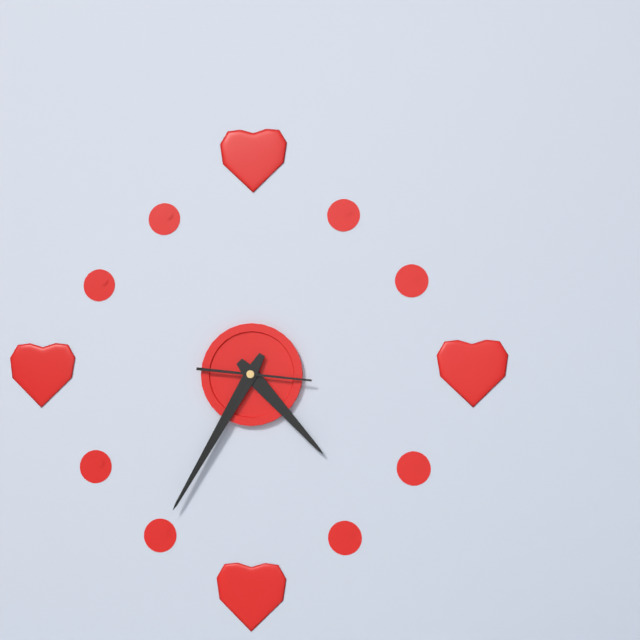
4:35:16
